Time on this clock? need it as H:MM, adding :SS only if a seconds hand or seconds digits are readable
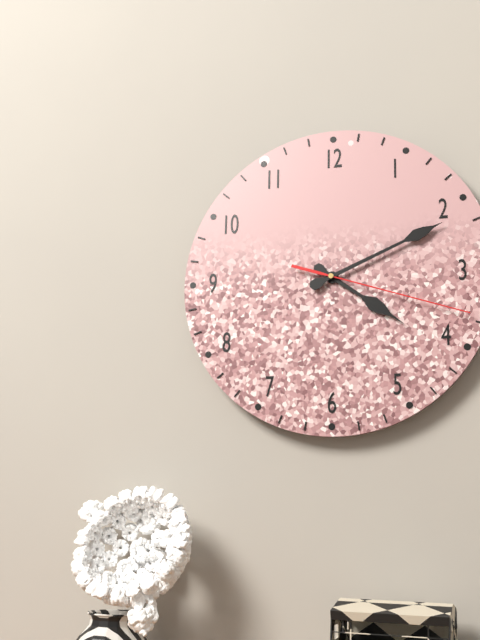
4:11:18
